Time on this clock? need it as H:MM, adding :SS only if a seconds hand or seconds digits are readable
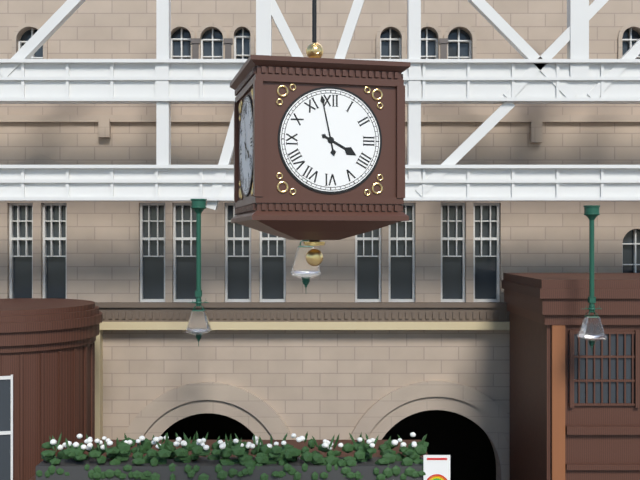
3:58
